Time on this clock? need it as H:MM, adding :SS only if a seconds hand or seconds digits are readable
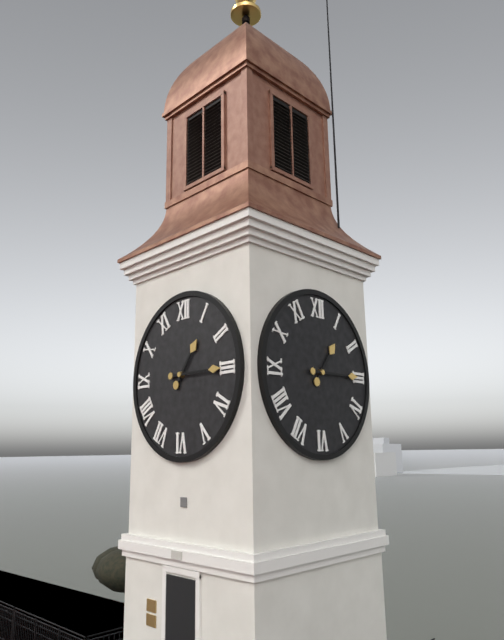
1:15
